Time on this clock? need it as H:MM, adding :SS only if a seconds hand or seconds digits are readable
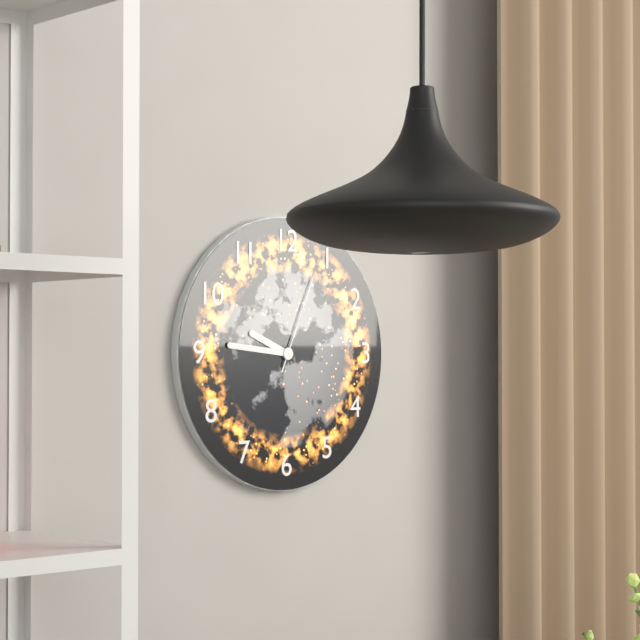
9:46:04
